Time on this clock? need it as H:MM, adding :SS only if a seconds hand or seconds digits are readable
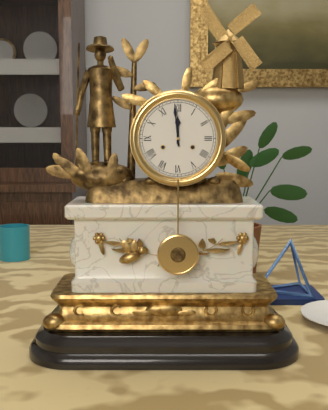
11:59
